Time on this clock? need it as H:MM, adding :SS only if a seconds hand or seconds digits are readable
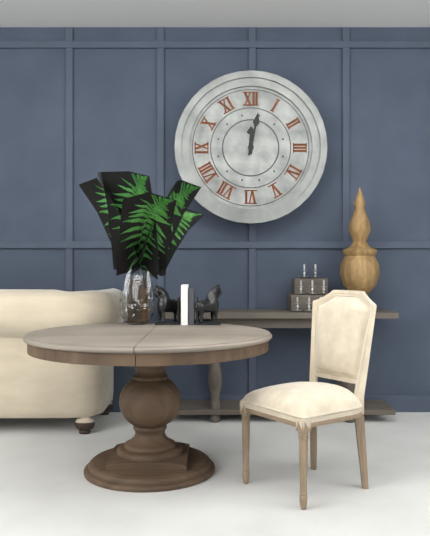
12:02
